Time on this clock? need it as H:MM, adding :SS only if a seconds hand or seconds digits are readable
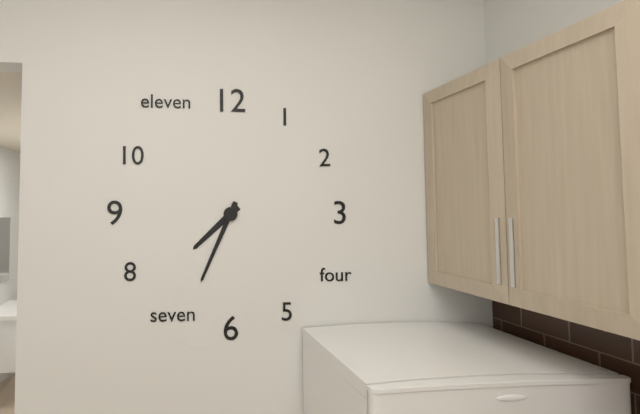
7:34
